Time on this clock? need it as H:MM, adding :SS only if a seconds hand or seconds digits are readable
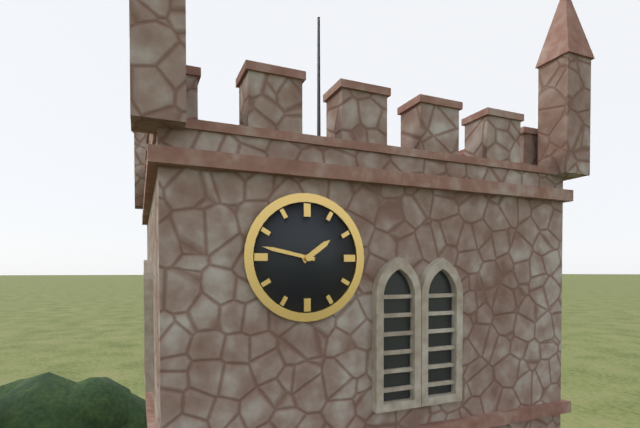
1:47
